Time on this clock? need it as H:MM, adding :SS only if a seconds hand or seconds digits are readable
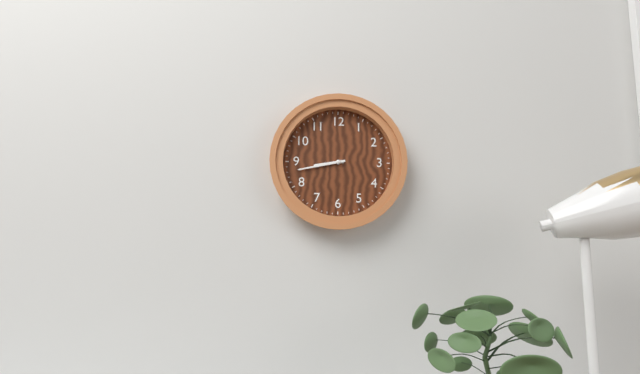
8:43
